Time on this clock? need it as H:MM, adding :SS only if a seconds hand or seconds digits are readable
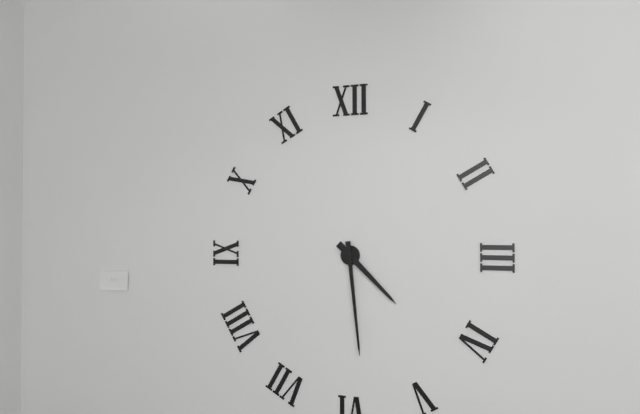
4:29
